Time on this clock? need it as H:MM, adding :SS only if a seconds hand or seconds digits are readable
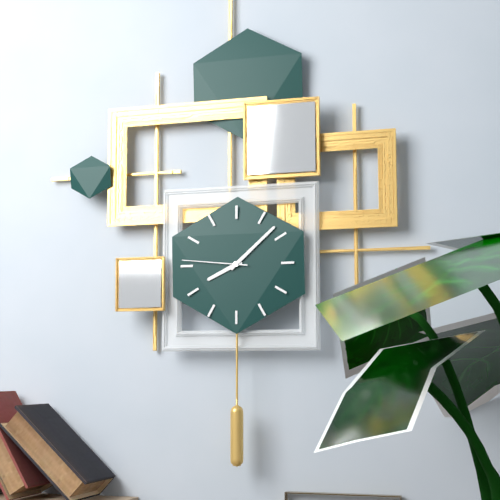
8:08:46
